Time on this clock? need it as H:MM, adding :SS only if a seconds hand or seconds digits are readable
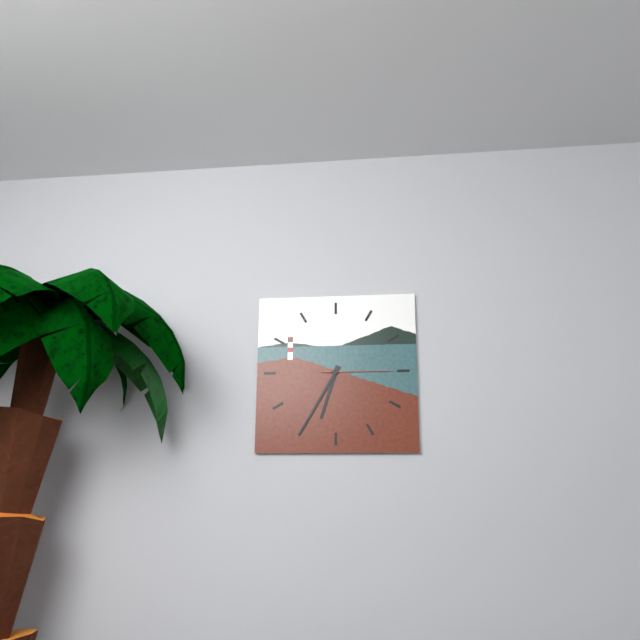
6:35:15
